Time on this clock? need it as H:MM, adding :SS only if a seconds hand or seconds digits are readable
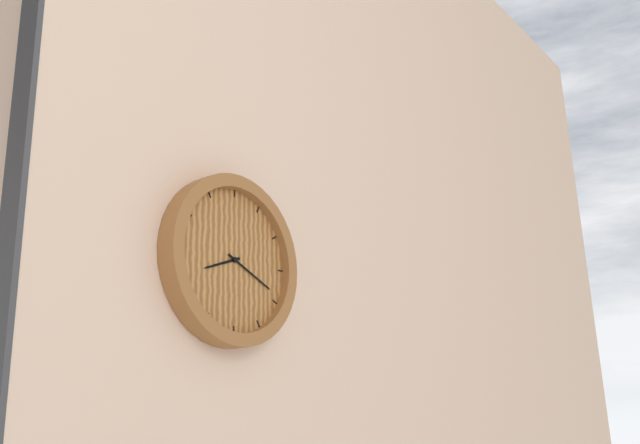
8:19
